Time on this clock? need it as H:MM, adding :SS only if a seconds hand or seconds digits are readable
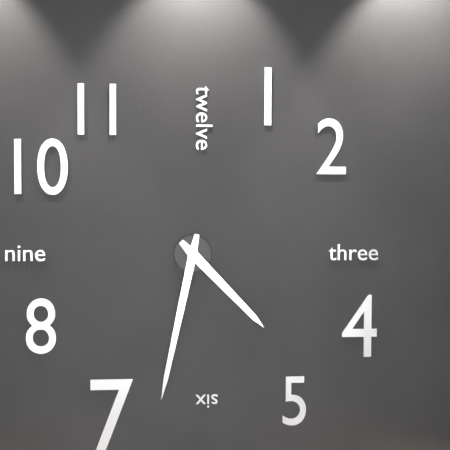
4:32
